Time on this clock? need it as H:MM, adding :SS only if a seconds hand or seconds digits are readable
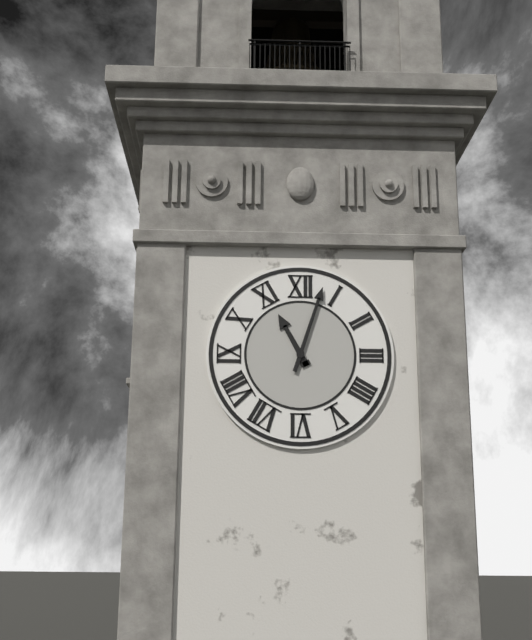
11:03
